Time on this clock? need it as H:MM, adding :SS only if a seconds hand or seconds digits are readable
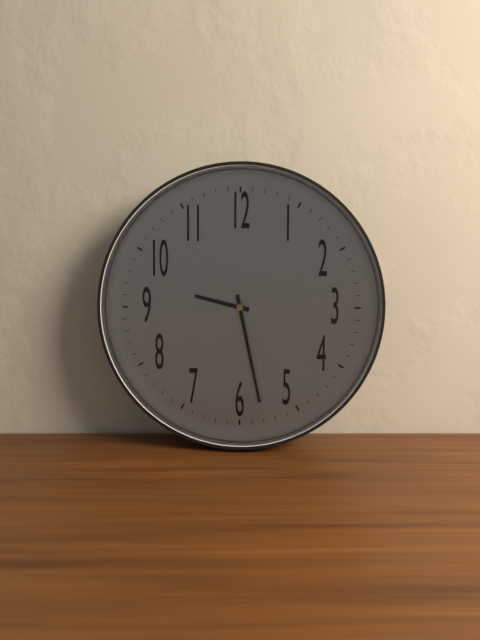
9:28
